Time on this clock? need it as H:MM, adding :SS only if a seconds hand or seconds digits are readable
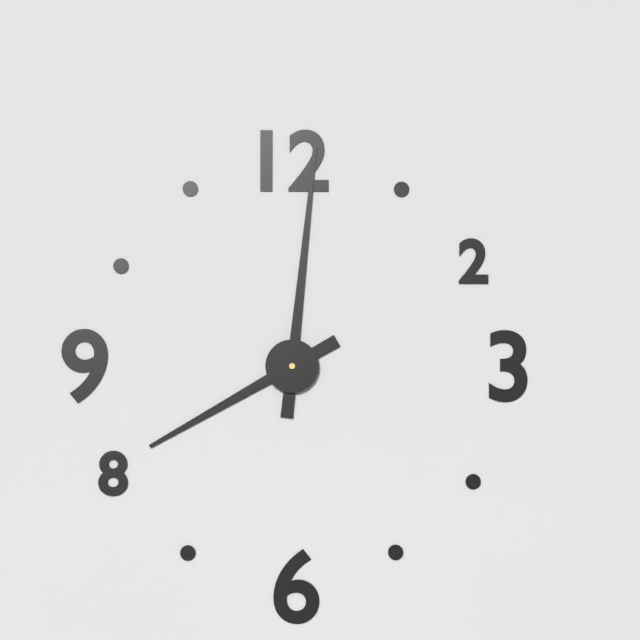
8:01
